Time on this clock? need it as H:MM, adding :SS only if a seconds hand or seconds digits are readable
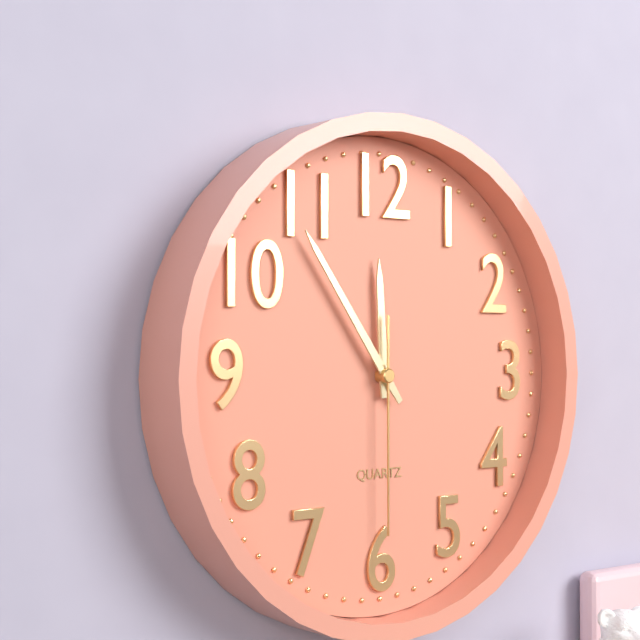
11:54:30
